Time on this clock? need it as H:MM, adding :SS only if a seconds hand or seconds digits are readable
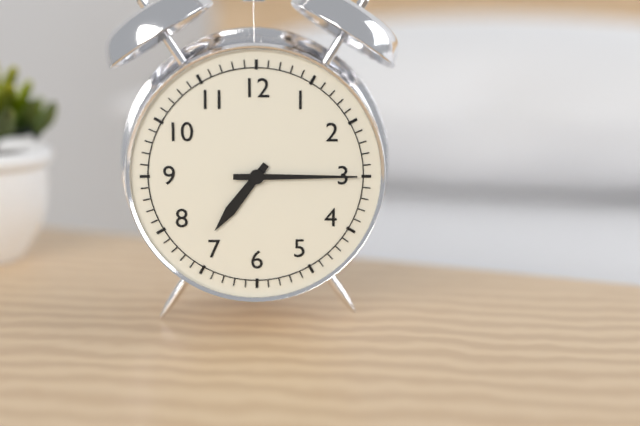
7:15
